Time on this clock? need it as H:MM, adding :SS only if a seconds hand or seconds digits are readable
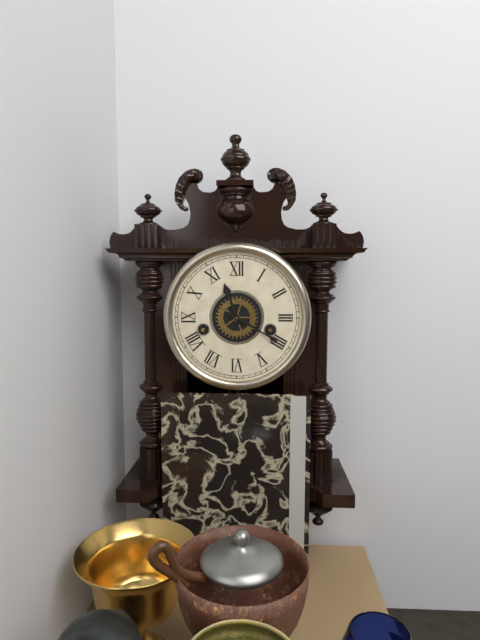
11:20
